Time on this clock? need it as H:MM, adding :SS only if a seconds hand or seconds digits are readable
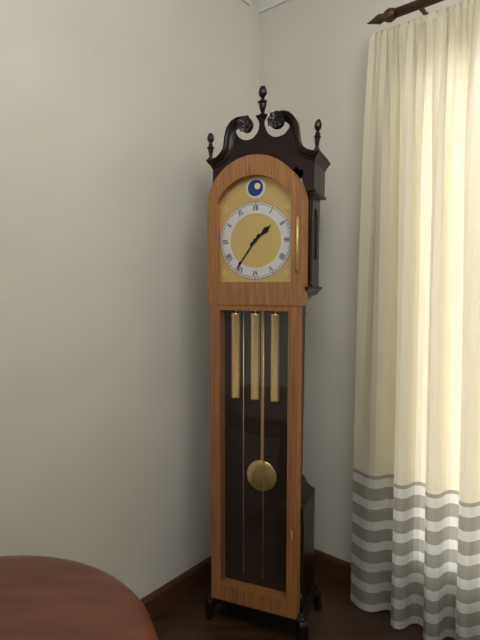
1:36
